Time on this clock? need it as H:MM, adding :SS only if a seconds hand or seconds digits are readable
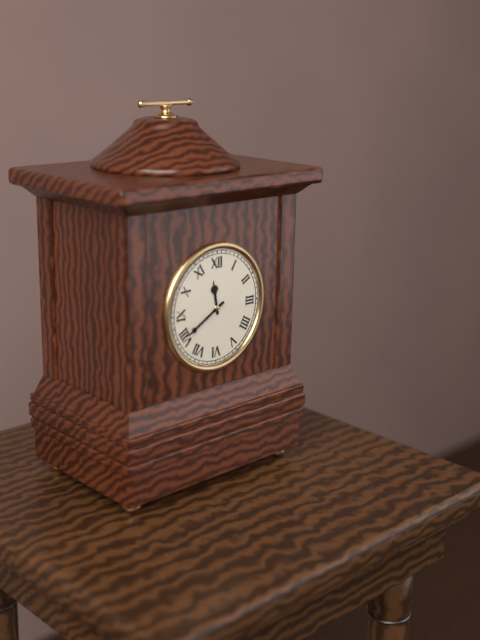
11:40
